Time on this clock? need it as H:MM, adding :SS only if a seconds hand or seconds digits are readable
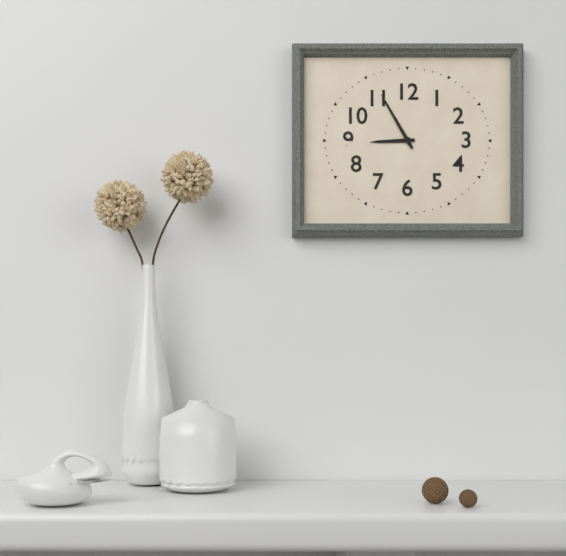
8:55
